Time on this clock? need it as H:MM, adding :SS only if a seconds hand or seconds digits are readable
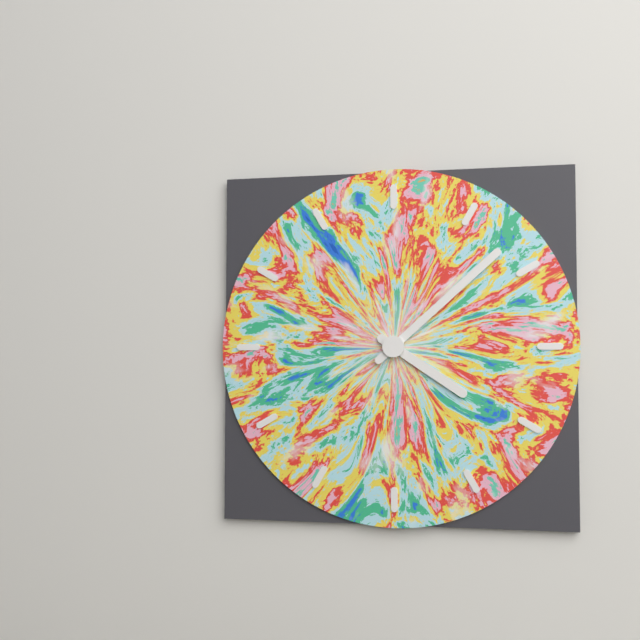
4:08
